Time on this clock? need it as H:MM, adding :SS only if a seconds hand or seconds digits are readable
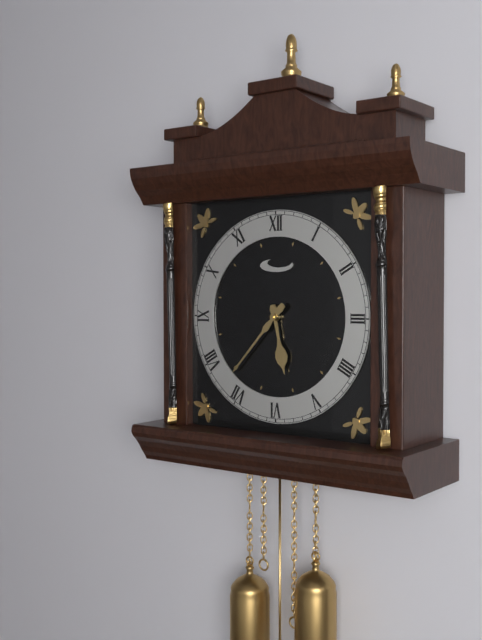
5:37
